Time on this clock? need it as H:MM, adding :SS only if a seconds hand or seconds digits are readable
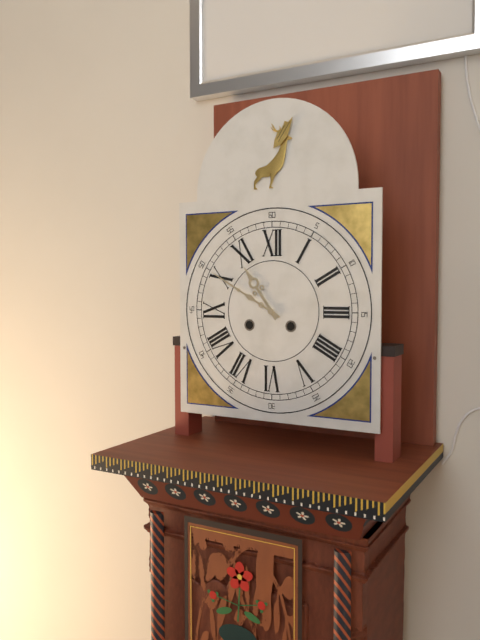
10:50
